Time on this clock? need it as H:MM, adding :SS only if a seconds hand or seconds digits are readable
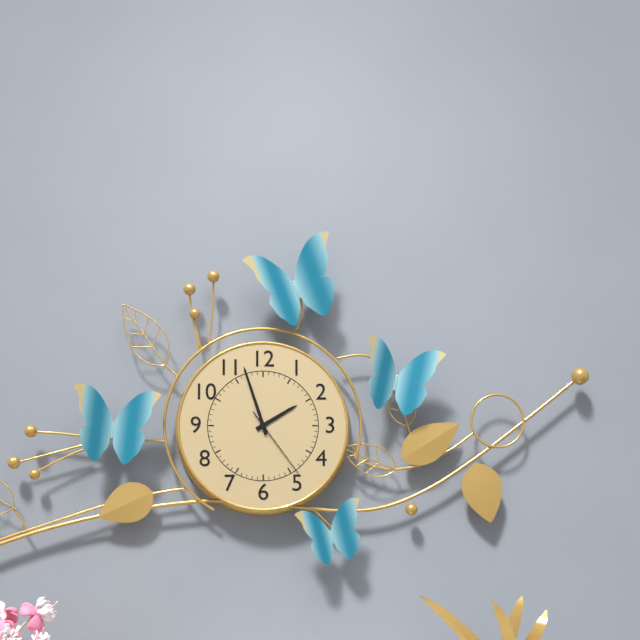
1:57:24
